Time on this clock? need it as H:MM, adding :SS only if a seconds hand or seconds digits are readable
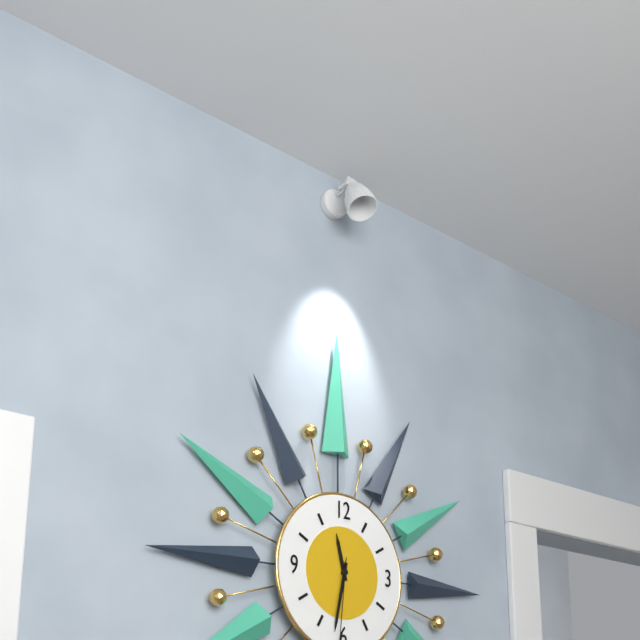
11:32
